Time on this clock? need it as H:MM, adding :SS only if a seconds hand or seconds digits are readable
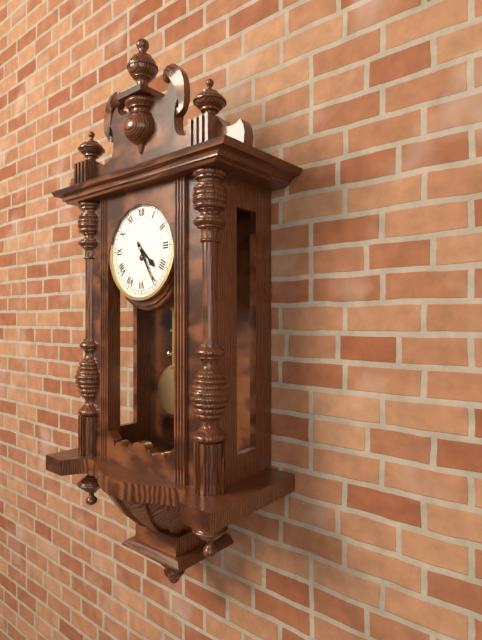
4:25
